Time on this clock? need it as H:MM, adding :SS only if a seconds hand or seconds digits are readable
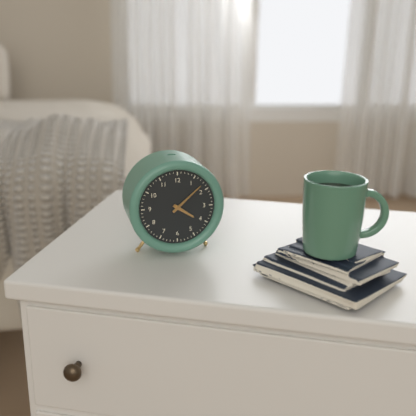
4:08
